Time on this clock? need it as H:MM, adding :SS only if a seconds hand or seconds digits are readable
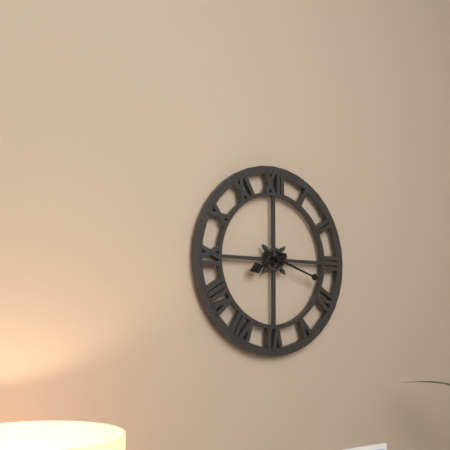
8:18
